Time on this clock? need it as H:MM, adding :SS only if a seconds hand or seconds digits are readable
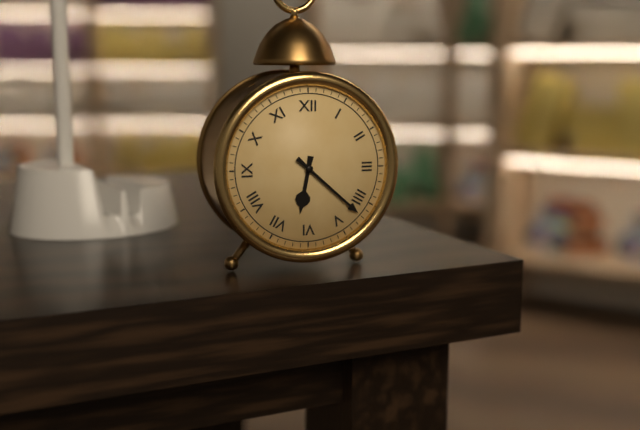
6:22
